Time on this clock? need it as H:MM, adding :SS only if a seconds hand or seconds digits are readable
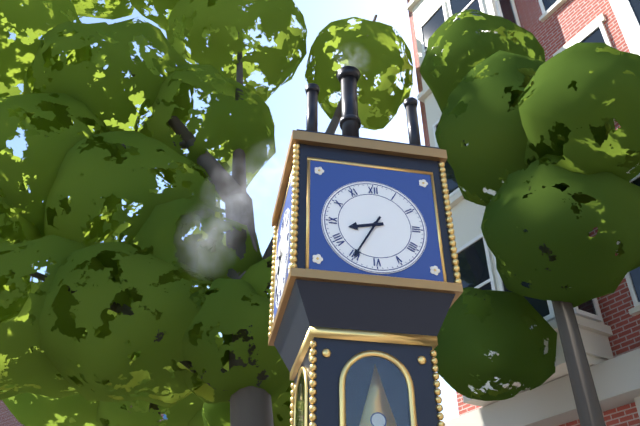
8:35
